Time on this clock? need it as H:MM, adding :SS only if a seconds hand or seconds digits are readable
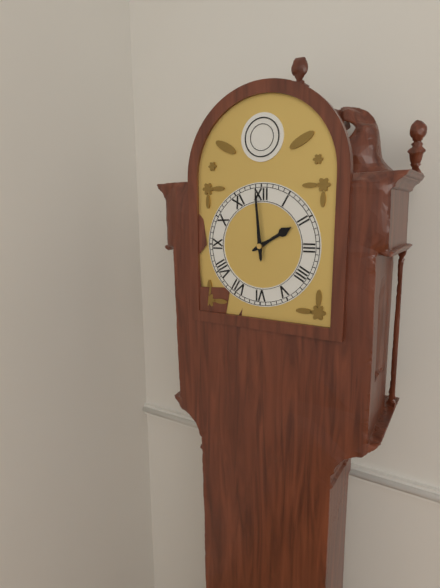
1:59
